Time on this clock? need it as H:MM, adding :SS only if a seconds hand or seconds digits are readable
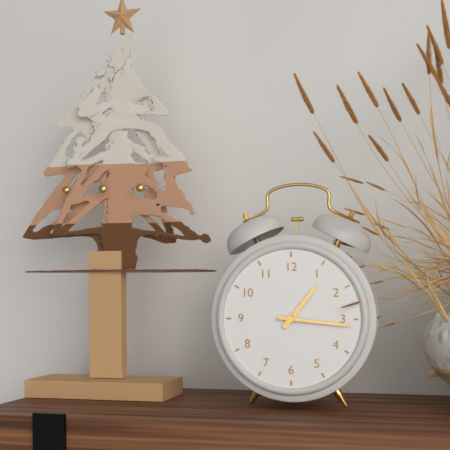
1:16
